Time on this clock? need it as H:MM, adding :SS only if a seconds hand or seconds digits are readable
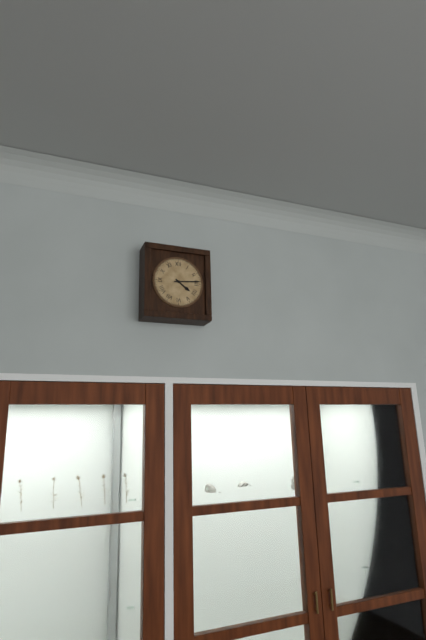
4:14
